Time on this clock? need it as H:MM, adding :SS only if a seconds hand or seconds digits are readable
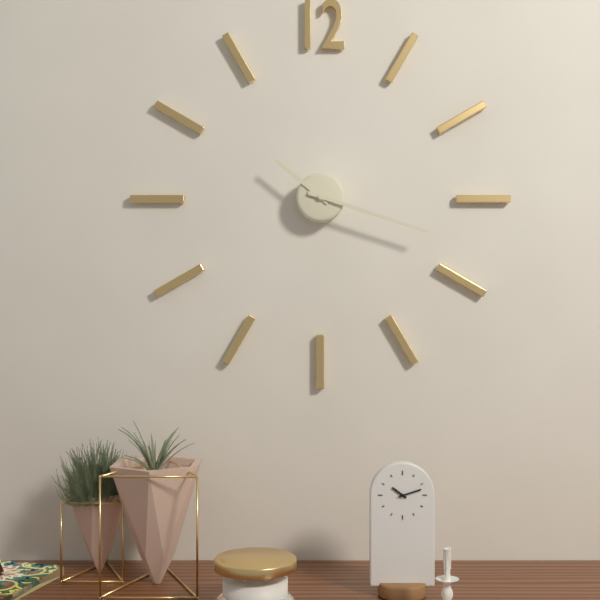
10:18
